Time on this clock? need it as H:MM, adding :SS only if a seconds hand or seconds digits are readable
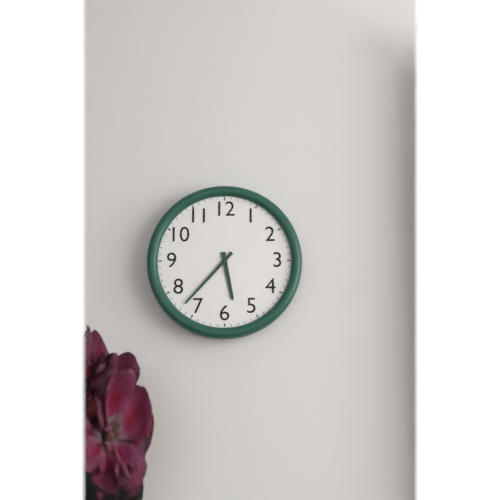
5:37
